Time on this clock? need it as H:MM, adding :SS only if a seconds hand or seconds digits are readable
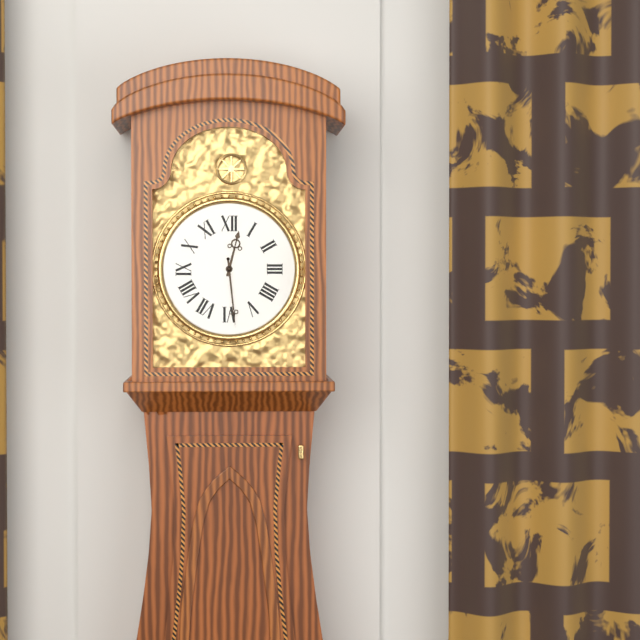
12:29
